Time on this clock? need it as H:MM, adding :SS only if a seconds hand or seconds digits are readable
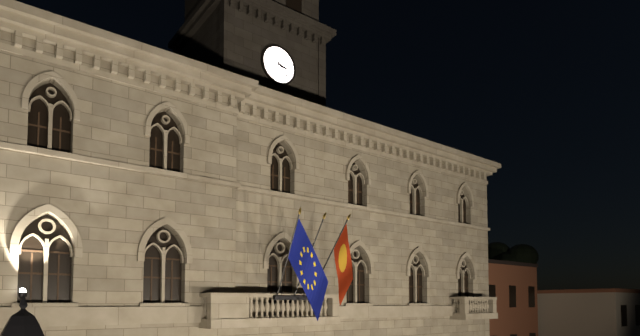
3:23
